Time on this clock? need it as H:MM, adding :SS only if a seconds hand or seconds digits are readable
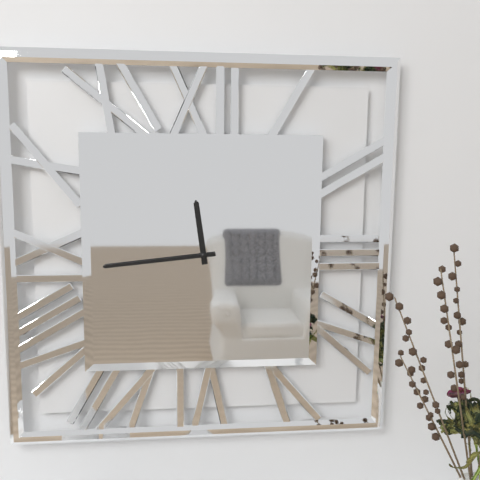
11:44
